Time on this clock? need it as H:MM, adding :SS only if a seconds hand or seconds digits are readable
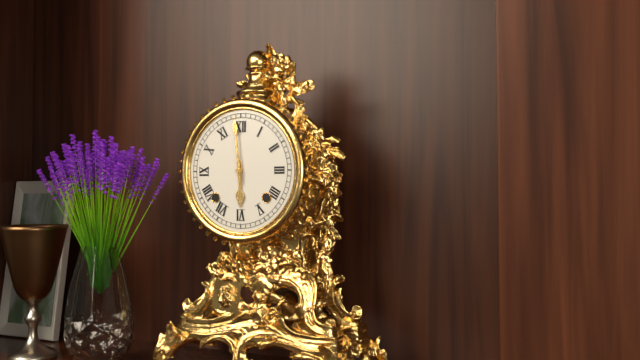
5:59
